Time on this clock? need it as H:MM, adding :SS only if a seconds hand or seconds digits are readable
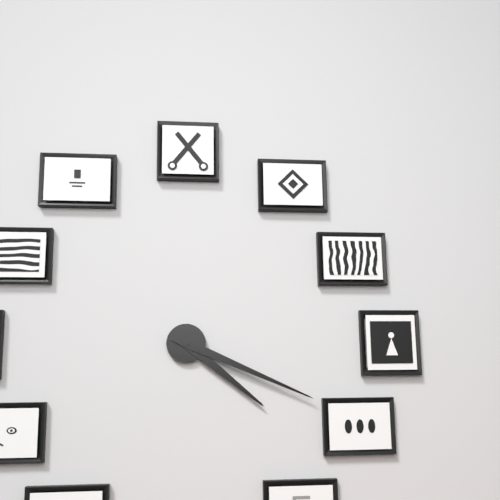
4:19
